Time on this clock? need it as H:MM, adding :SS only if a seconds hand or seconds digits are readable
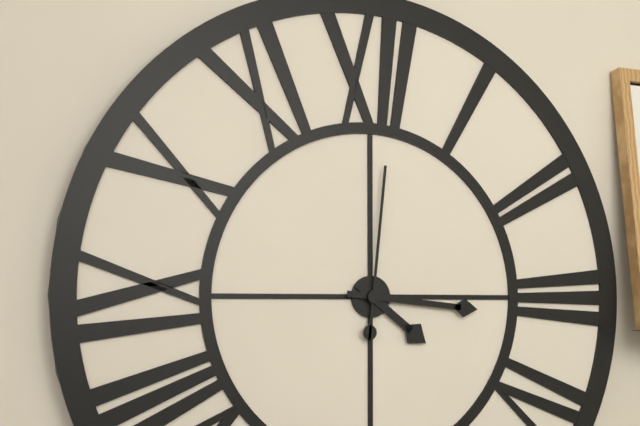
4:16:01
